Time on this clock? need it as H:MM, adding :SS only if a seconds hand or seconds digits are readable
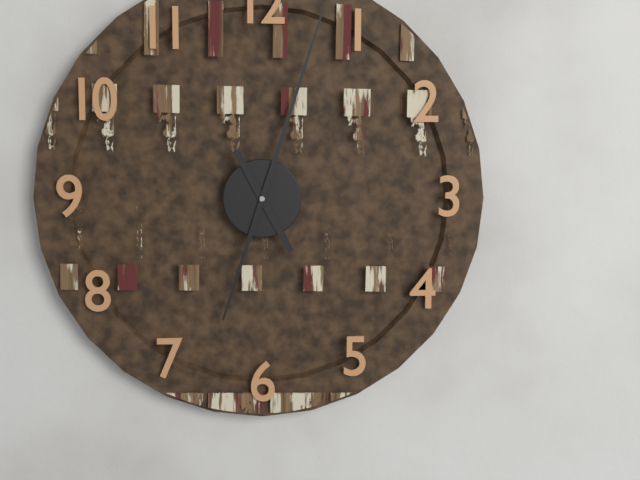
5:03
